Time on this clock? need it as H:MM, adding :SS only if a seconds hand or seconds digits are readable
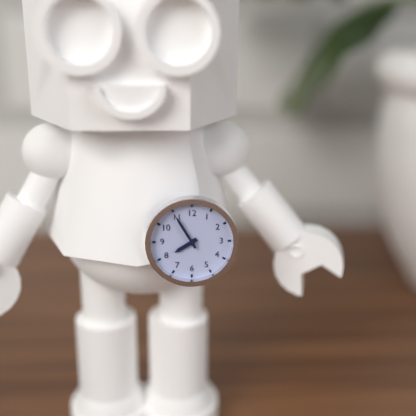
7:55
